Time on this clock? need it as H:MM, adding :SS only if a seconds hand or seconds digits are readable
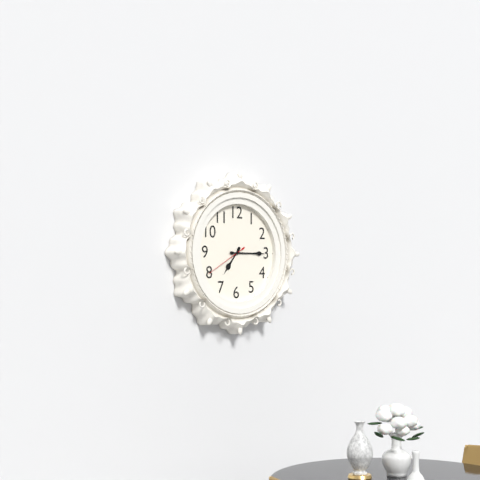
7:15
